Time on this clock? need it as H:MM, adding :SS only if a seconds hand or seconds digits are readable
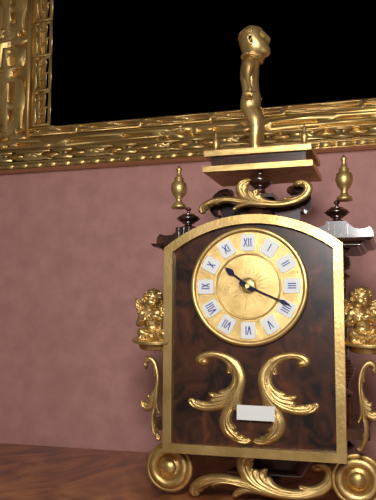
10:19
